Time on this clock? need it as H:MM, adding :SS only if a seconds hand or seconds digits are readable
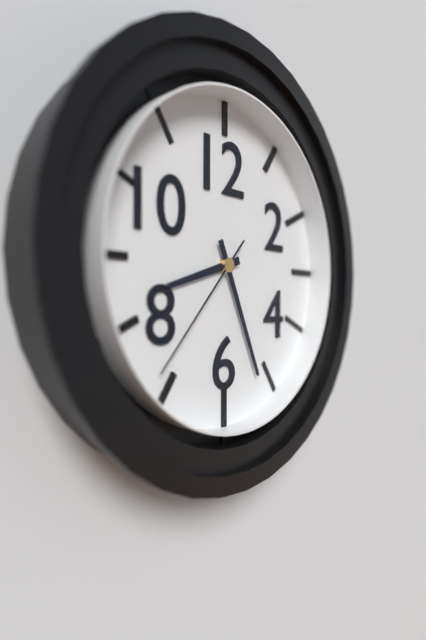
8:26:37
